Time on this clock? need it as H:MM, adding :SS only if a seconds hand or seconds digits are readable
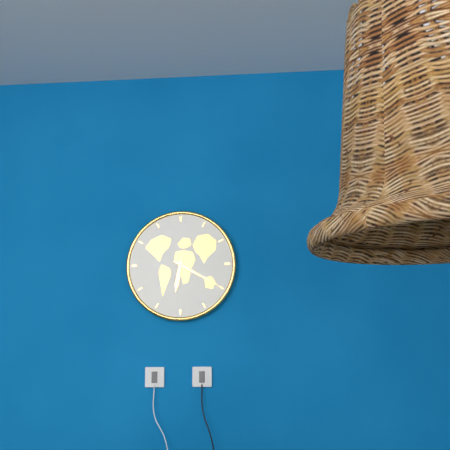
6:20
